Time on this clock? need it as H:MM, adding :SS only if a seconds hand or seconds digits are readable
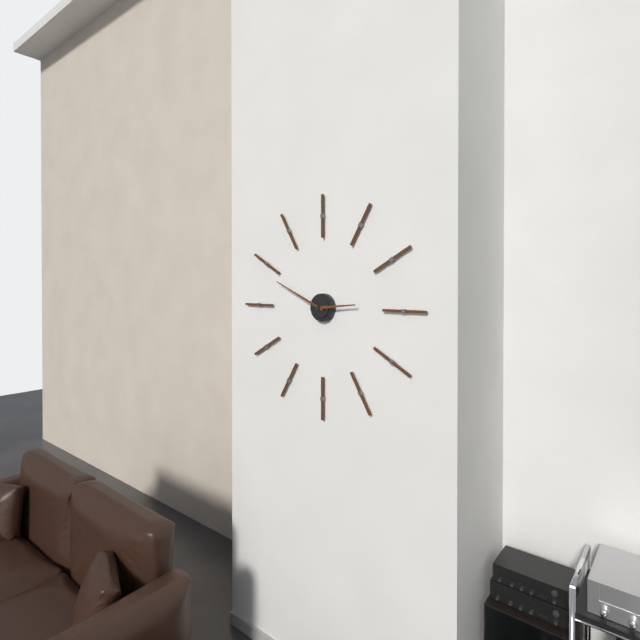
2:49
